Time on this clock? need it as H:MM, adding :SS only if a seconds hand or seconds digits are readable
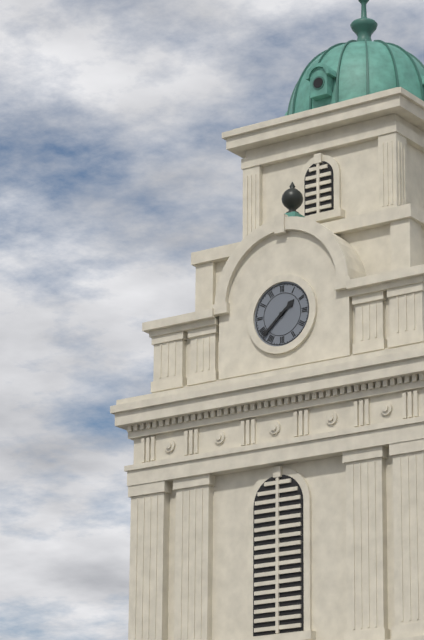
1:38
